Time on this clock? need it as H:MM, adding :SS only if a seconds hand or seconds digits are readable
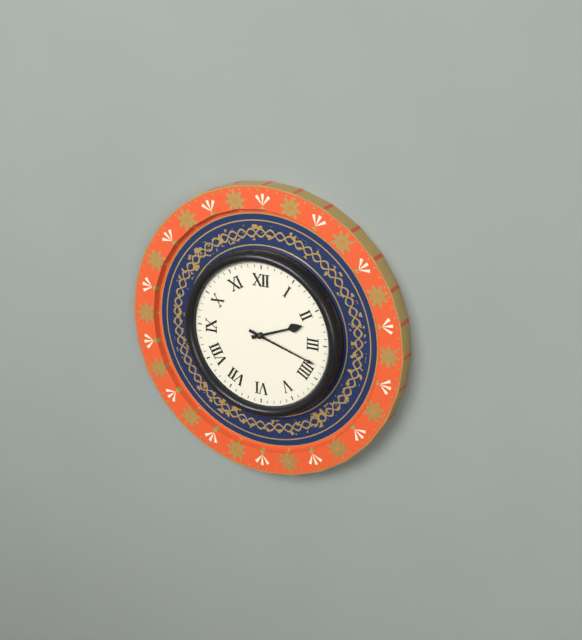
2:18
